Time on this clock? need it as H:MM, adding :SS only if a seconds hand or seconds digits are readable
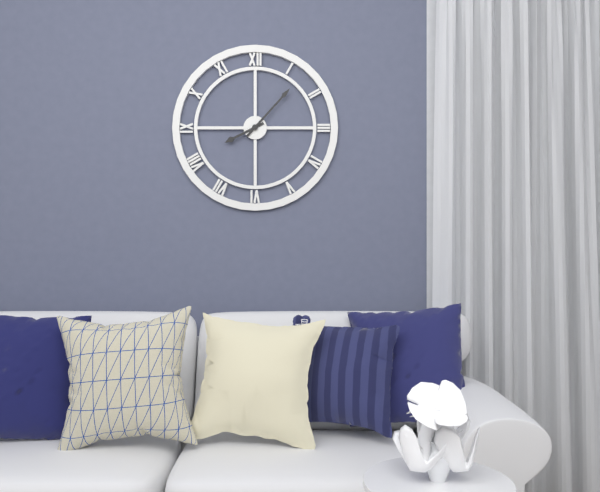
8:07
